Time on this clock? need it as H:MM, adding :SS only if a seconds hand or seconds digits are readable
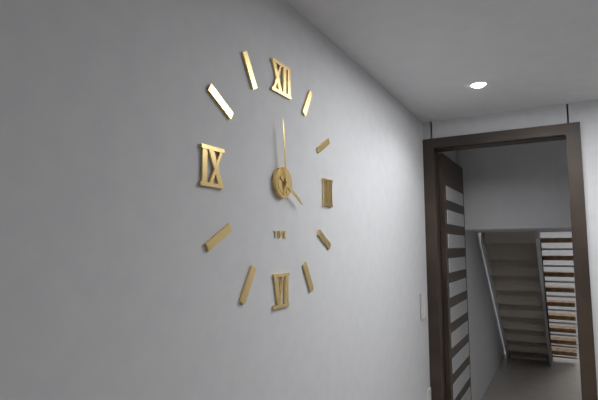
3:59
